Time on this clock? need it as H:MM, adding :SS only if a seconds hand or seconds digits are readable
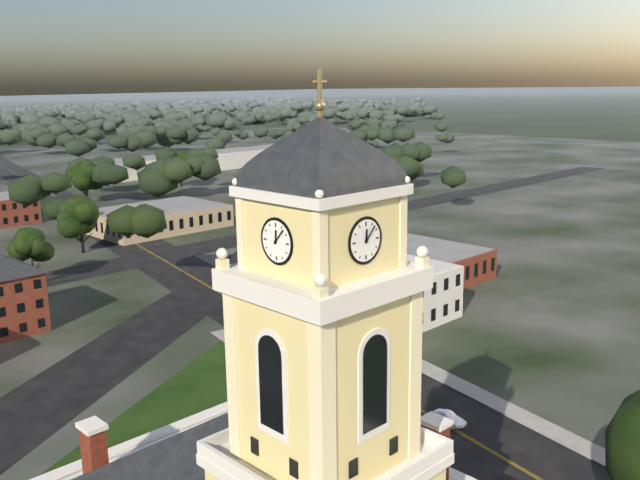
12:07
